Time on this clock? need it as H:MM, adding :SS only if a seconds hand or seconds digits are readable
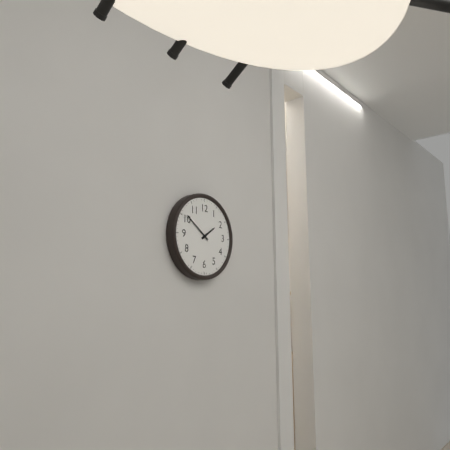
1:51
